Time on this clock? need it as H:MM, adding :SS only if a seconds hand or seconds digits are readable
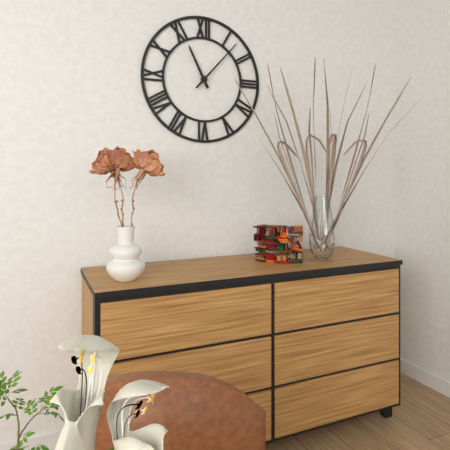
11:07
